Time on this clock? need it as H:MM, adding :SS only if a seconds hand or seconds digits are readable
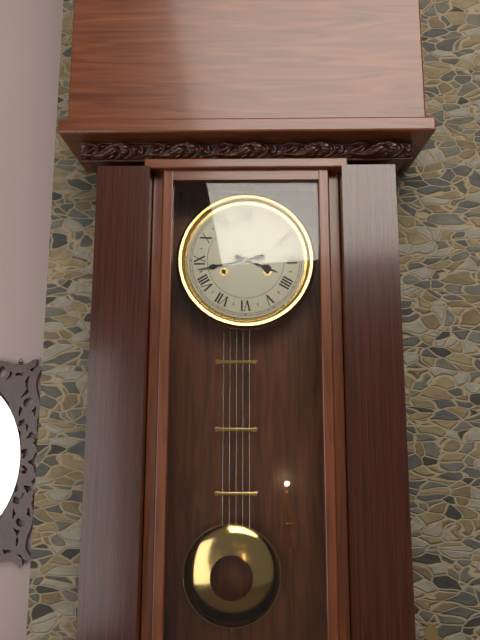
3:43
